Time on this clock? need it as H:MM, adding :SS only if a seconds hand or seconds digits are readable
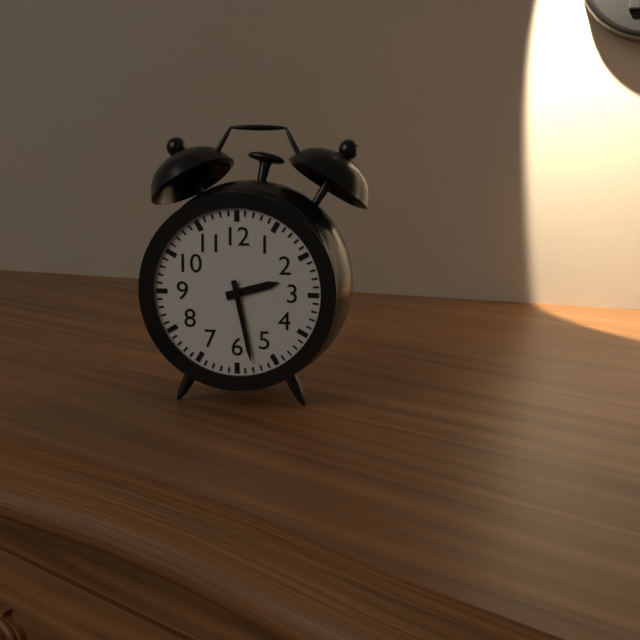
2:28
